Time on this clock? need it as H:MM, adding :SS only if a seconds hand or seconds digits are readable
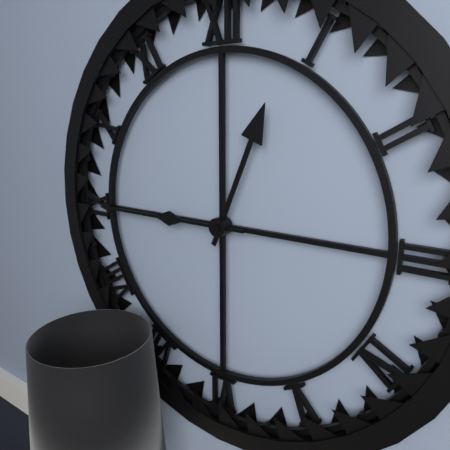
12:45
